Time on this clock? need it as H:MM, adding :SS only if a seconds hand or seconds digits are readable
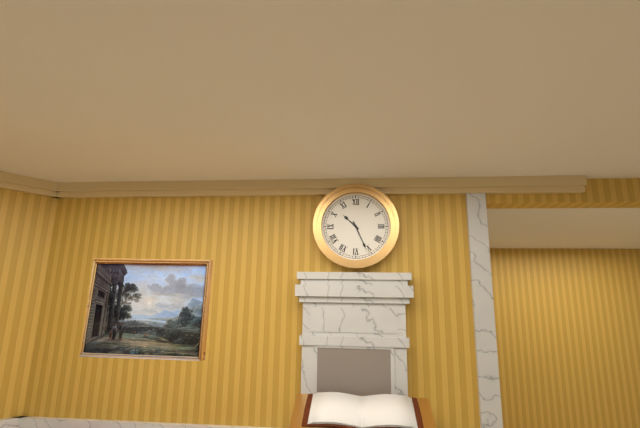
10:26
